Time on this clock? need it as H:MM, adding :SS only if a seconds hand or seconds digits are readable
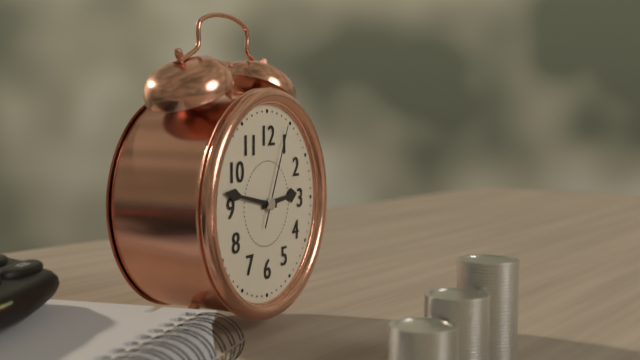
2:47:04
